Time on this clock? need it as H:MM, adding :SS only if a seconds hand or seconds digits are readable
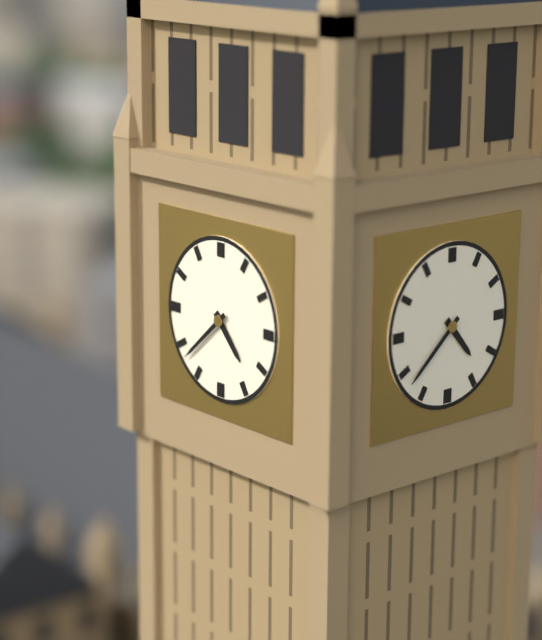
4:38
